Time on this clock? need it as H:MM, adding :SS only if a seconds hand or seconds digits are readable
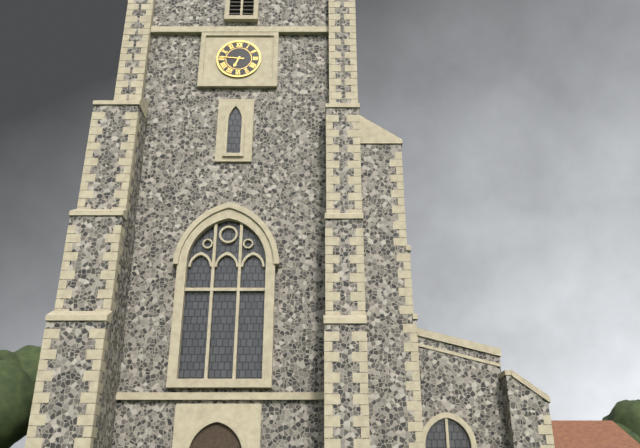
6:46
